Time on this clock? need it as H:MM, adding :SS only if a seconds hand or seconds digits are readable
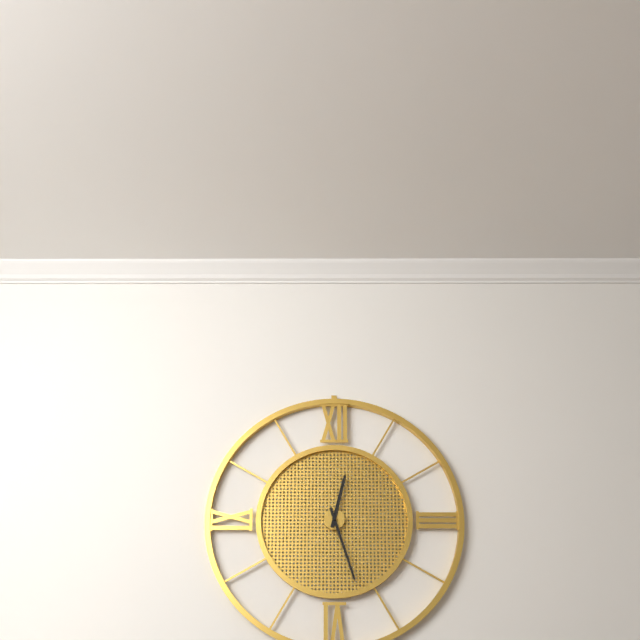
12:27
